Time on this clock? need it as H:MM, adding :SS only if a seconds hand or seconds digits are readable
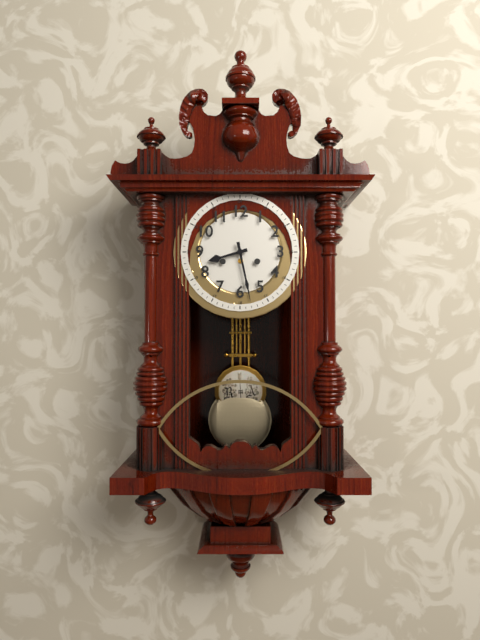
8:28
